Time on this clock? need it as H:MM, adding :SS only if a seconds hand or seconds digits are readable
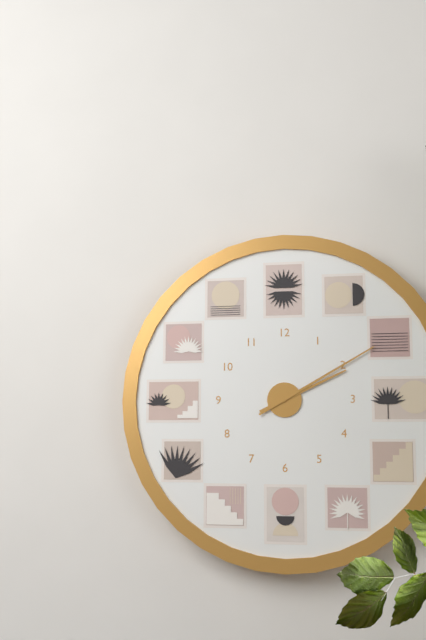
2:10
